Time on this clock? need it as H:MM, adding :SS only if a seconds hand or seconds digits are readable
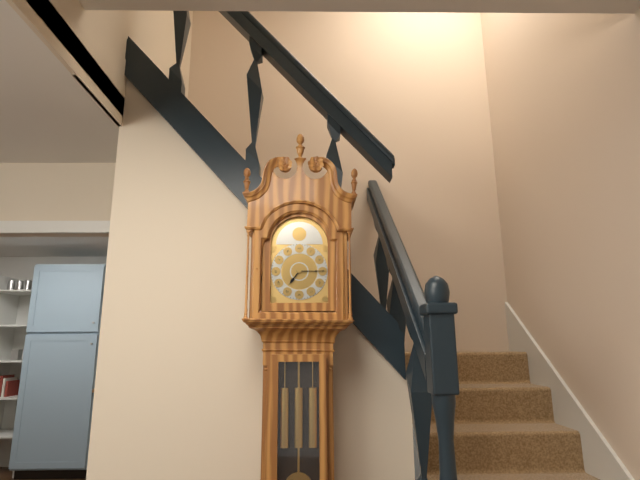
7:15
